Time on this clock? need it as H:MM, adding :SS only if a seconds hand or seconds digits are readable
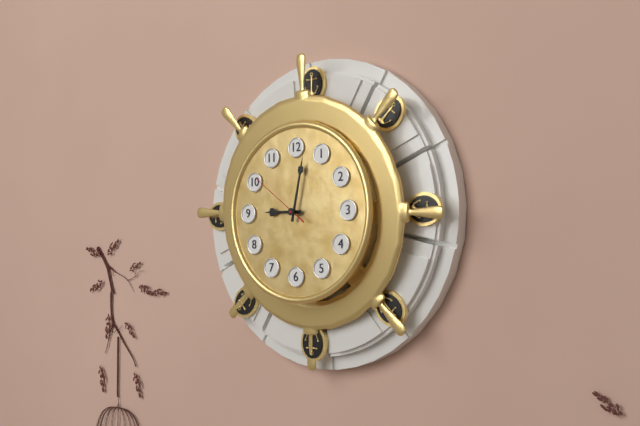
9:02:51
